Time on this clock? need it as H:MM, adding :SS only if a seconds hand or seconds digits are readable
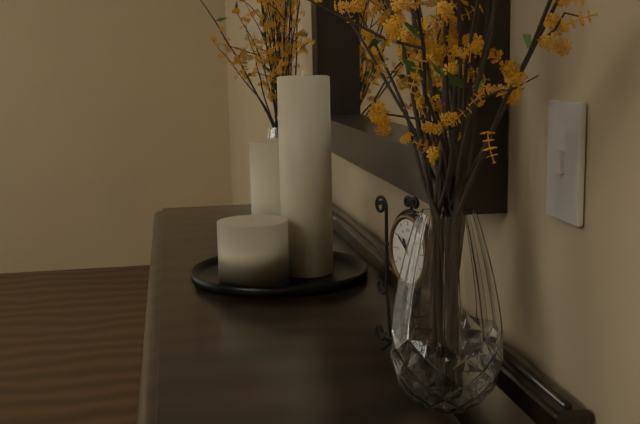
10:52
